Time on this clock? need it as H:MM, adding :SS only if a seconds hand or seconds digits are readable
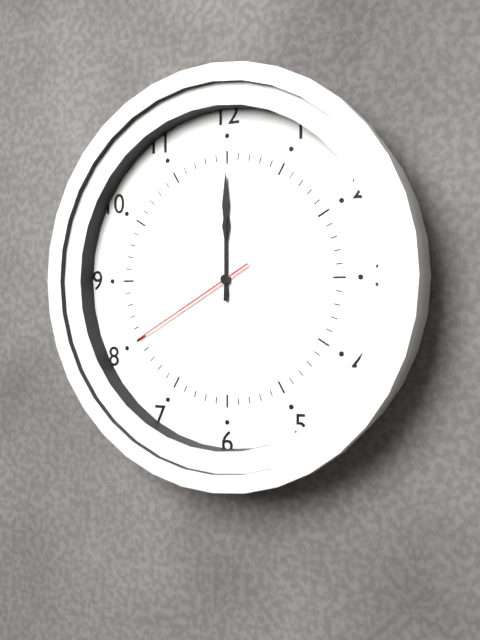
12:00:40
